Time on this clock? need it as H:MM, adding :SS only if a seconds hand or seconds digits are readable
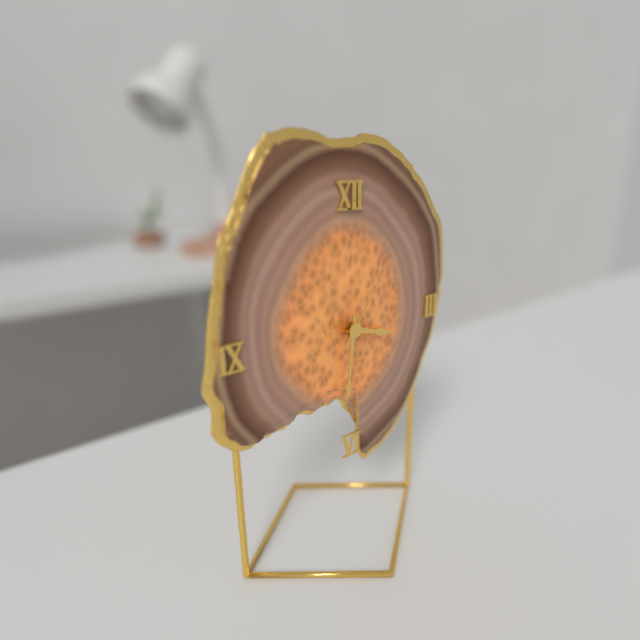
3:31:06
